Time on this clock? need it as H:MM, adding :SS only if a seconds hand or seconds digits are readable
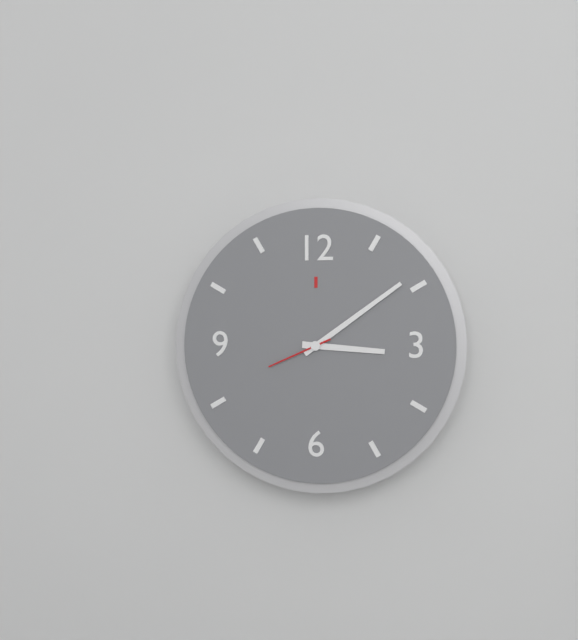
3:09:41
